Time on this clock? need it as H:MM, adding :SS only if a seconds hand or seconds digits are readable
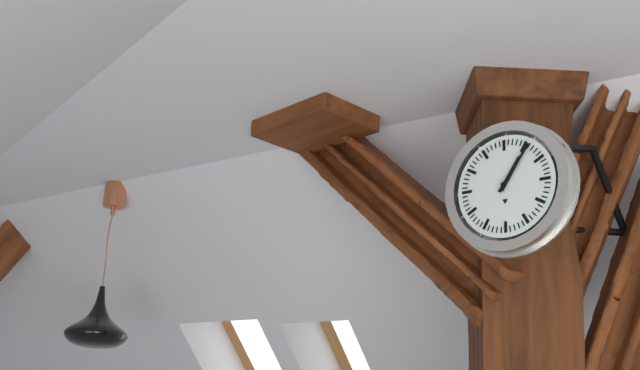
1:06
